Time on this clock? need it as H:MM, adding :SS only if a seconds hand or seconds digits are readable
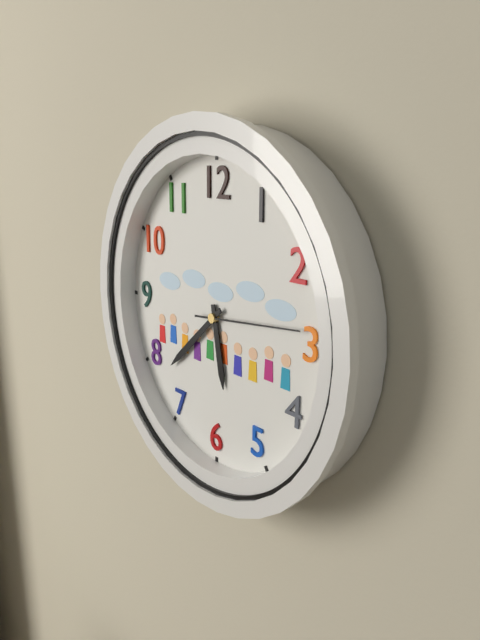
5:38:14
